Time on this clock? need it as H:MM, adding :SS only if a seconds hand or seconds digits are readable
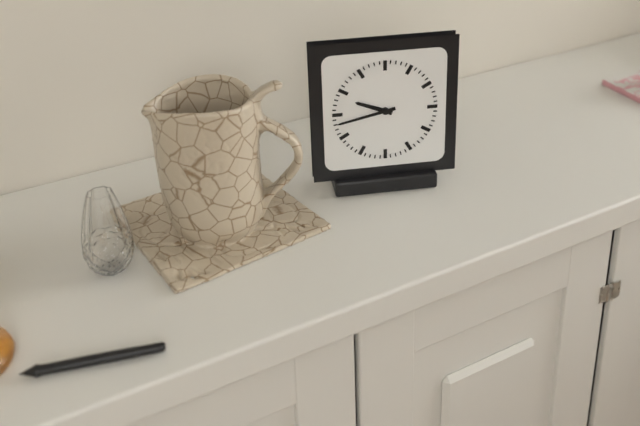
9:43
